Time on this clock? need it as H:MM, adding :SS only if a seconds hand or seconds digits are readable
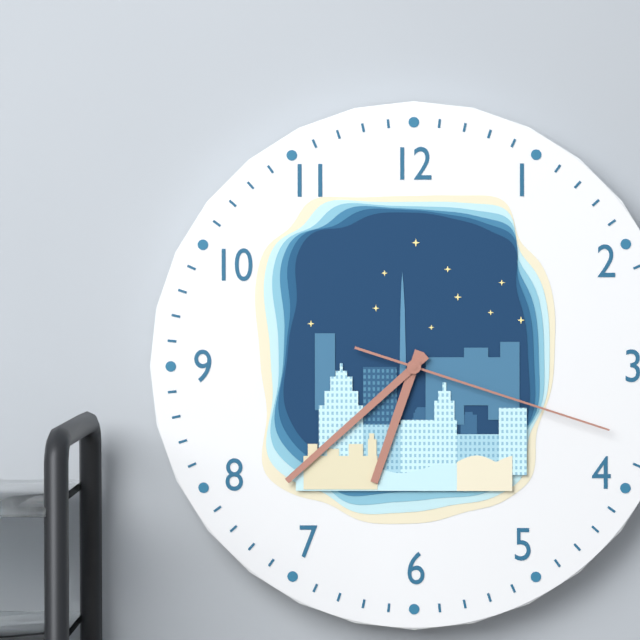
6:38:18
